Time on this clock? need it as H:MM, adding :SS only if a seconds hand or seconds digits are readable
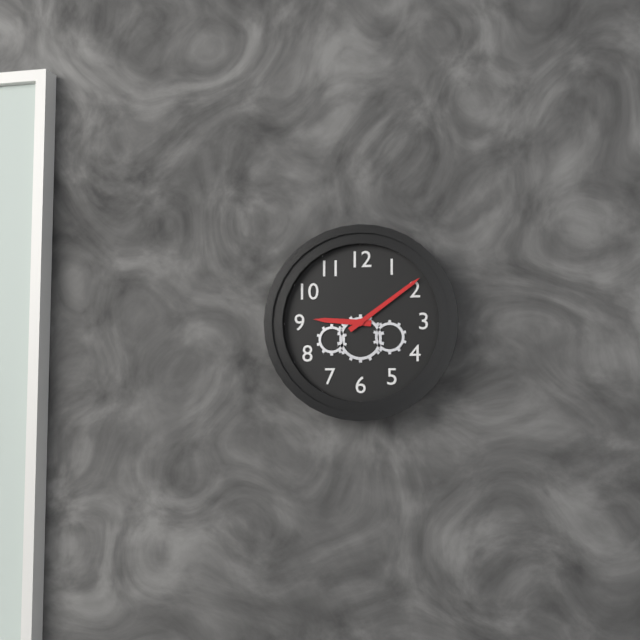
9:09
